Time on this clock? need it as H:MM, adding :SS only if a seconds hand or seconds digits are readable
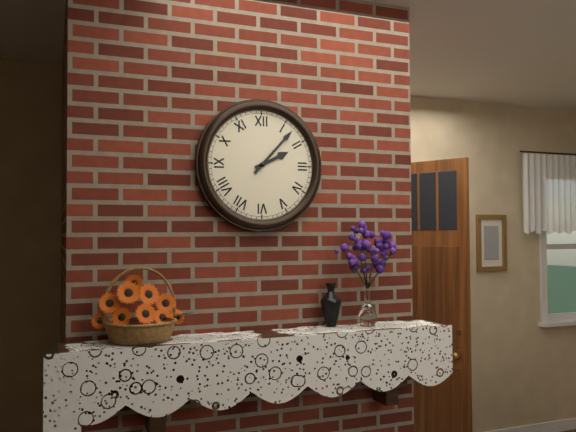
2:07
